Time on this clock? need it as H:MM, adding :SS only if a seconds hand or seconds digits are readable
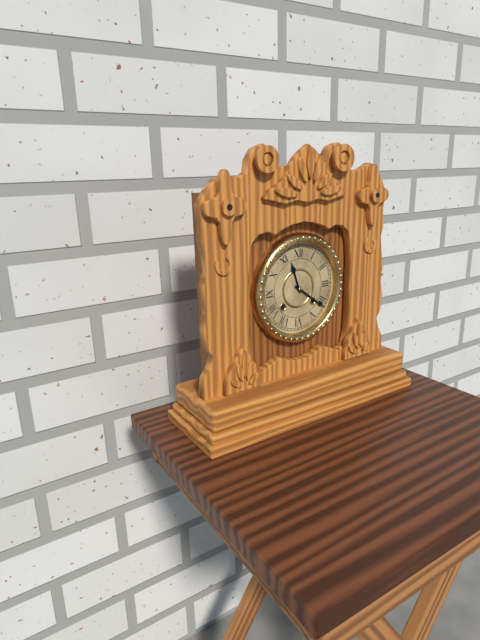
11:21
